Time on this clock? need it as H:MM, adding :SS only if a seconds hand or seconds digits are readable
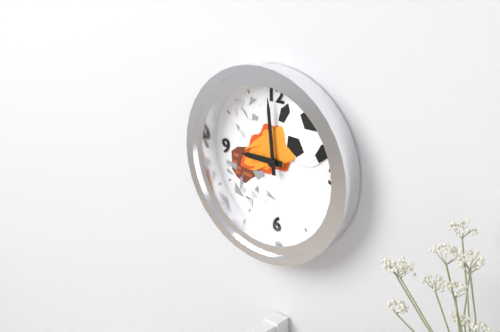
8:59
